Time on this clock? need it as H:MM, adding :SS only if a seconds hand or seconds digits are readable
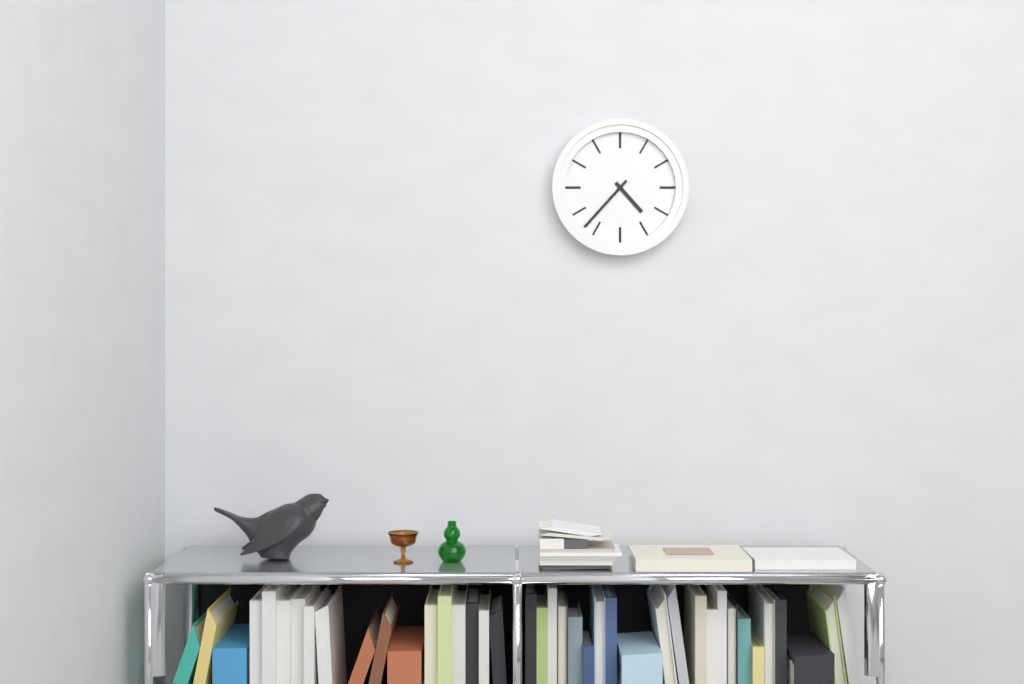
4:37
